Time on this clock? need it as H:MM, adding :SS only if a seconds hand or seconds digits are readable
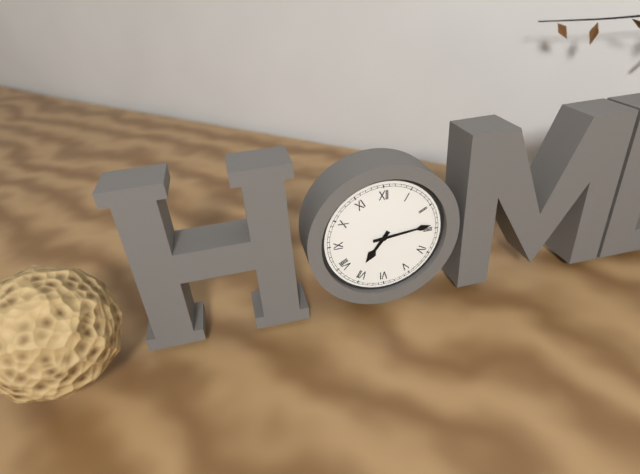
7:14
